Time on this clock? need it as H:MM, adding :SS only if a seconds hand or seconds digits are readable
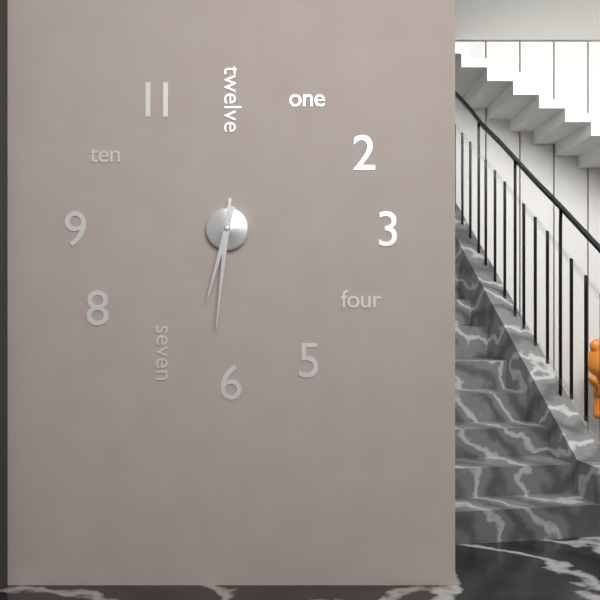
6:31
